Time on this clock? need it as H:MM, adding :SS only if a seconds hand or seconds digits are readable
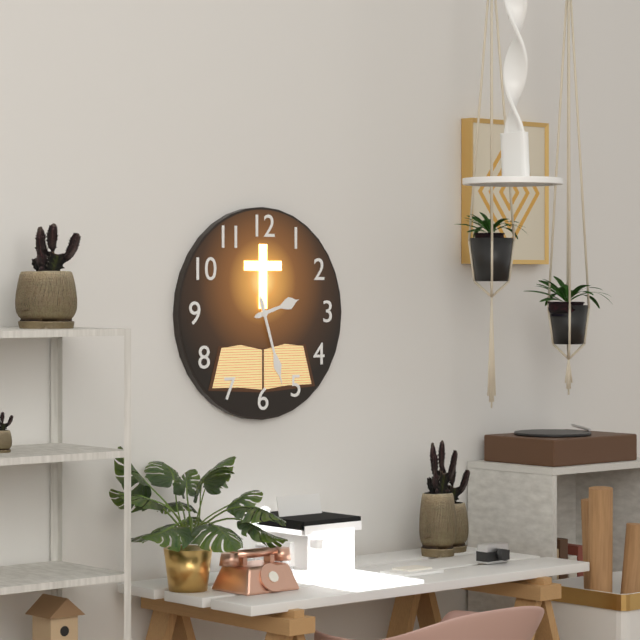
2:27
